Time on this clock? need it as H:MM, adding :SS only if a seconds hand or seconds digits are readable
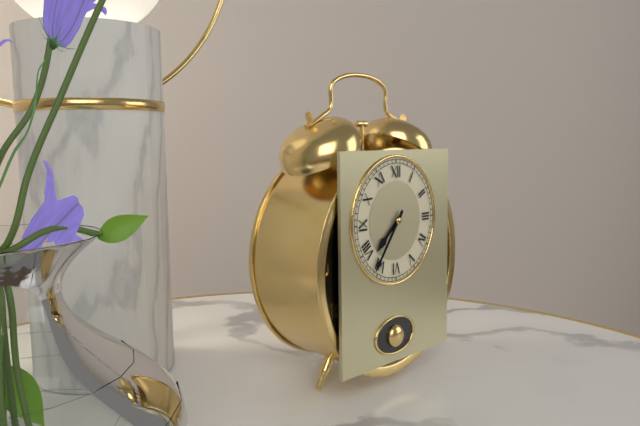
7:36
